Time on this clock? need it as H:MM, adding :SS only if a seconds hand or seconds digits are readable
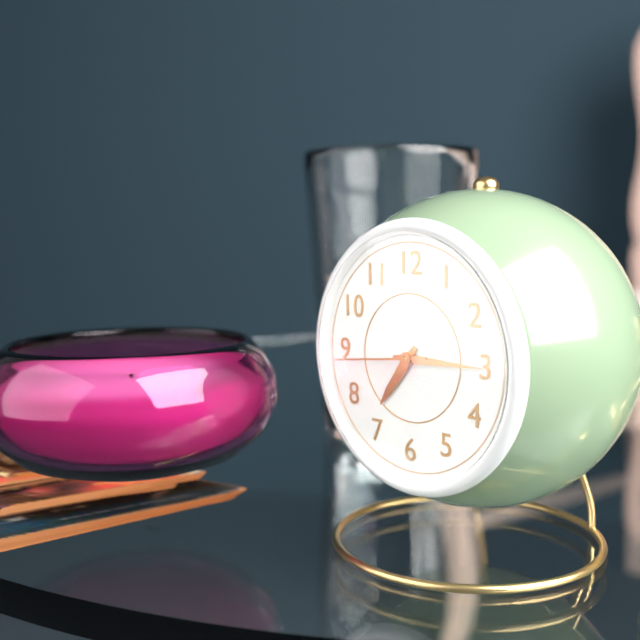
7:15:44
